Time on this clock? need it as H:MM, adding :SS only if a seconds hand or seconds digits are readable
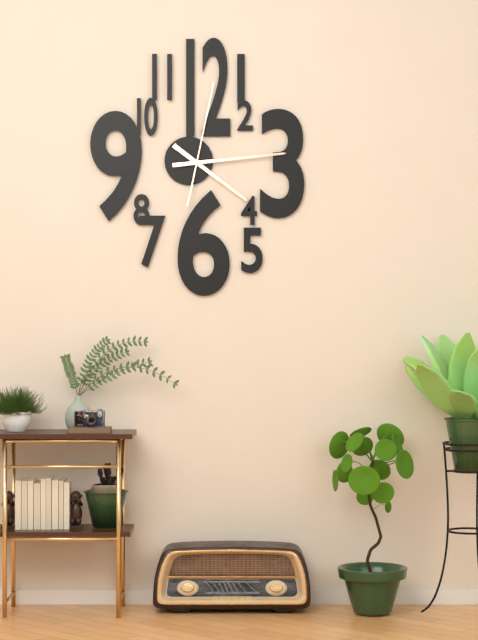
4:14:02
